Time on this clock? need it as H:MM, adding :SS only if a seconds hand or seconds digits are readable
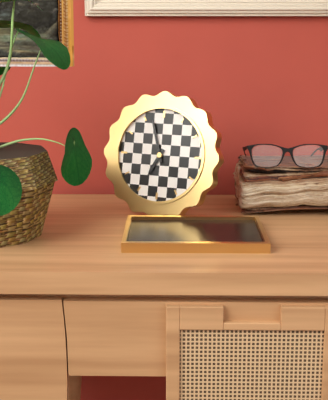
6:57
